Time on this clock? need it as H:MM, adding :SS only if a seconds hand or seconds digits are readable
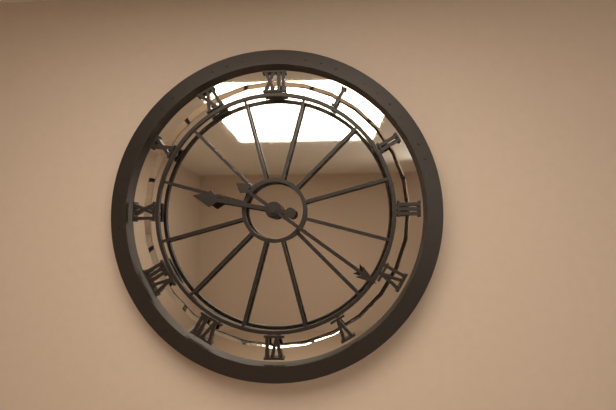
9:21
